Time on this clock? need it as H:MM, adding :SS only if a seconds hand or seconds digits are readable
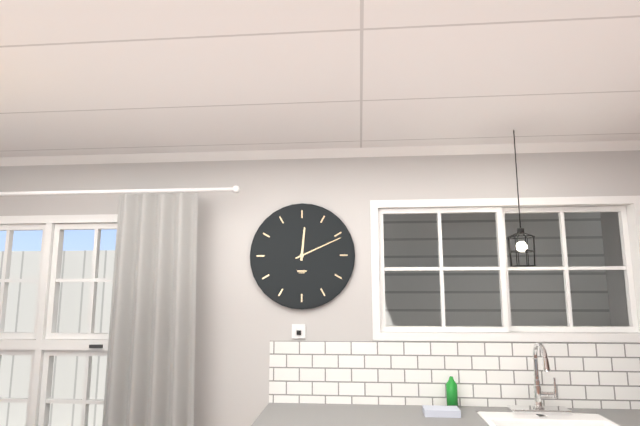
12:11
